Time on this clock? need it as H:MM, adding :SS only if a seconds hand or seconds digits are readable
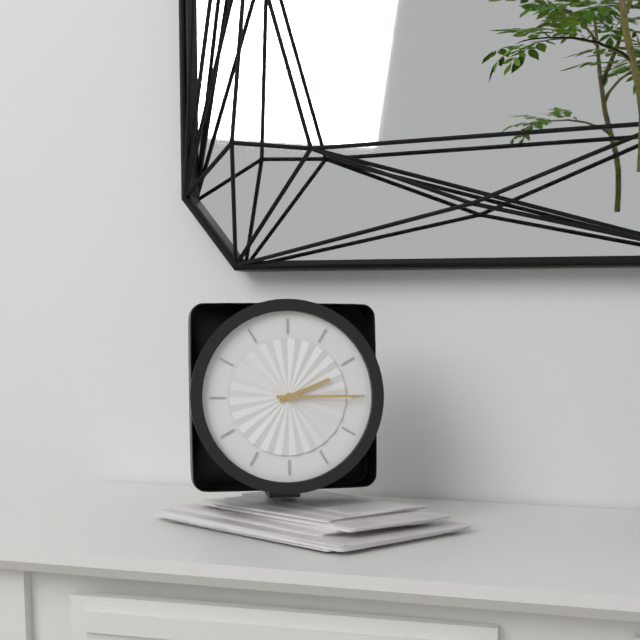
2:15
